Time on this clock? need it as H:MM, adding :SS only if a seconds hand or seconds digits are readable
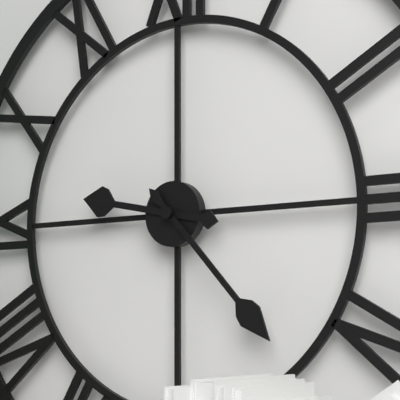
9:23
